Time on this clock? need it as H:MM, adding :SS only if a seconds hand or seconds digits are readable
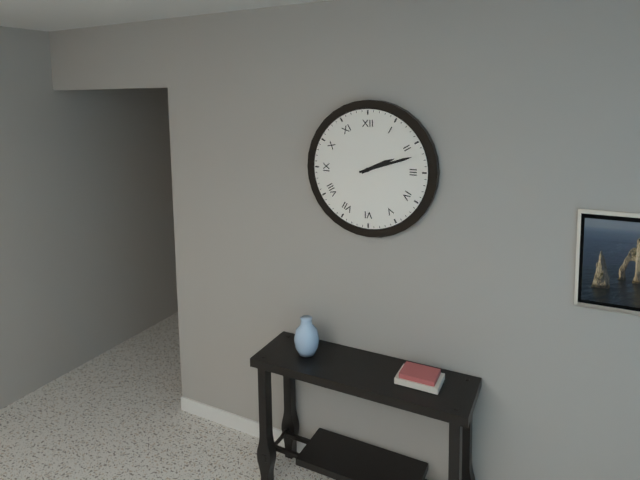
2:12
